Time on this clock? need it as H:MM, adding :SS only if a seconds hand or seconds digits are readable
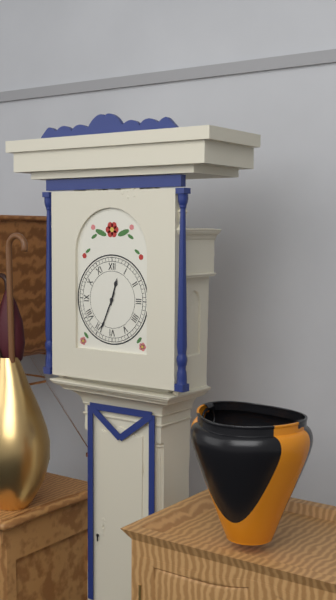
12:34
